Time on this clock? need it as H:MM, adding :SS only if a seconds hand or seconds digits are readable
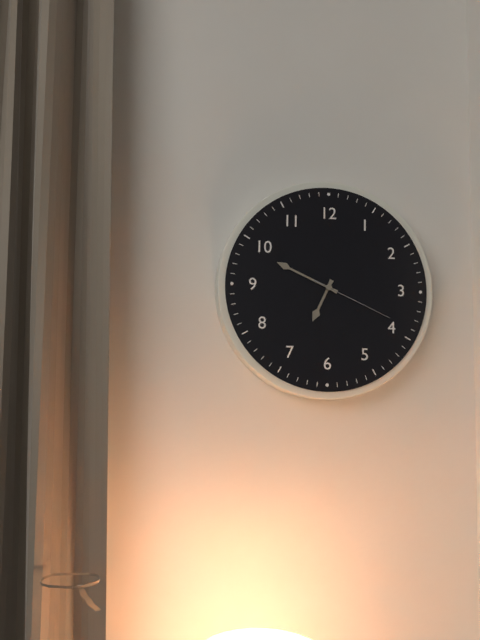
6:49:19
